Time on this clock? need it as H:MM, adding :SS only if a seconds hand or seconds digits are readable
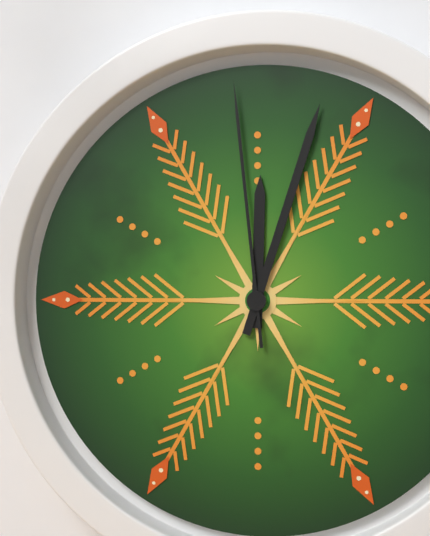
12:03:59
